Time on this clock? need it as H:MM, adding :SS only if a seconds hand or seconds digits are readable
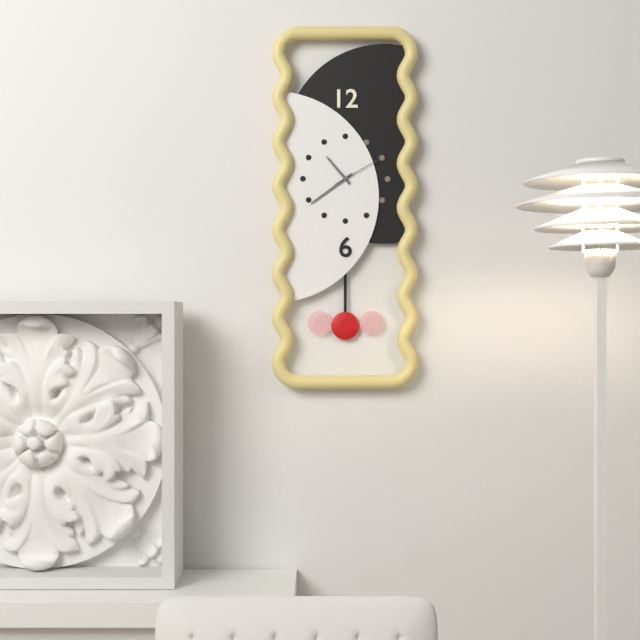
10:39
